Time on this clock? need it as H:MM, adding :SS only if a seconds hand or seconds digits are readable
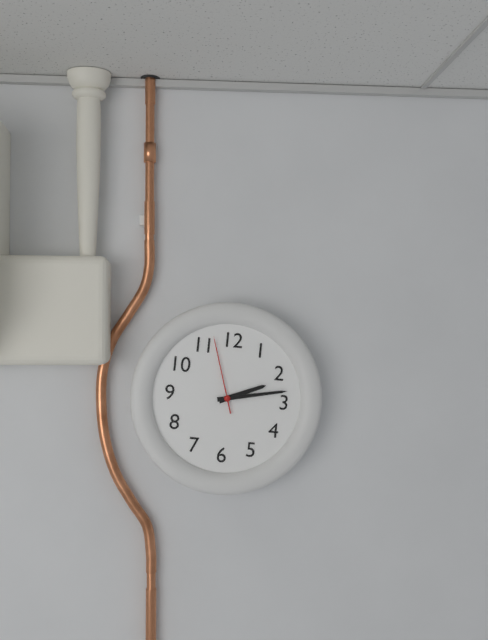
2:13:57
